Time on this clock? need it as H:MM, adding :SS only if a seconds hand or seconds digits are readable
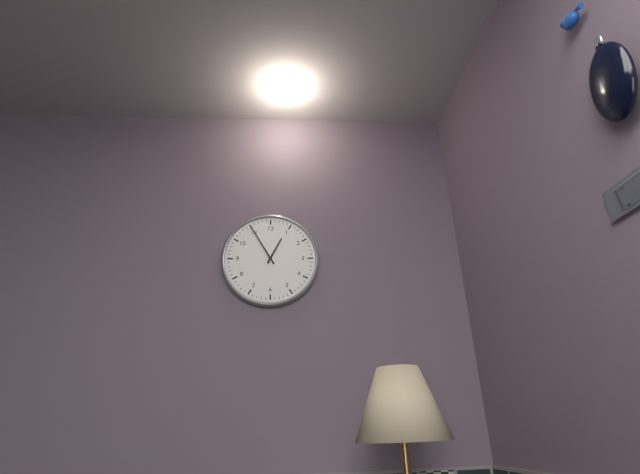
12:55
